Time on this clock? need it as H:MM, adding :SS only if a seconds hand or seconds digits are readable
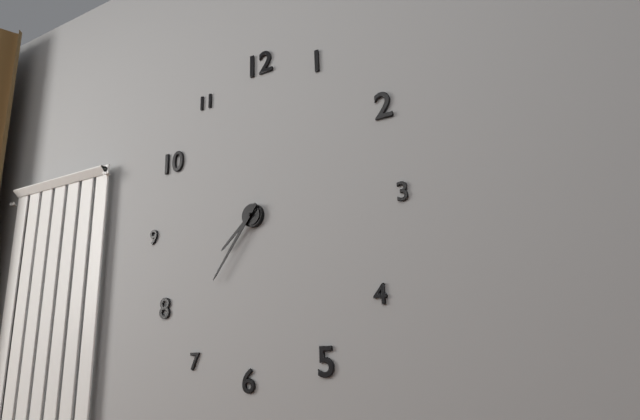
7:36
